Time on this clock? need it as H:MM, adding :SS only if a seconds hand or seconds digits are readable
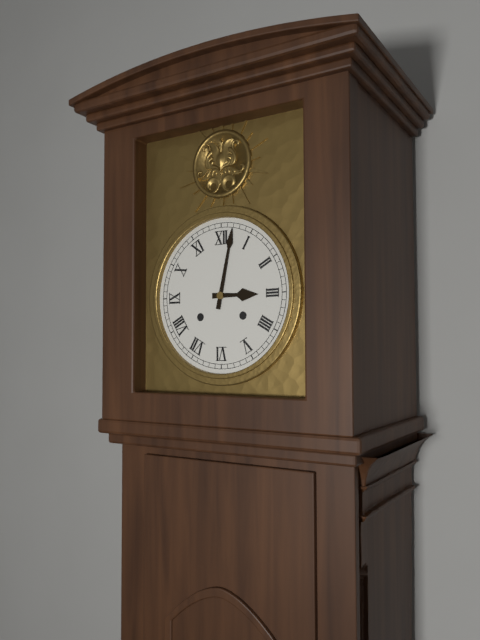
3:02
